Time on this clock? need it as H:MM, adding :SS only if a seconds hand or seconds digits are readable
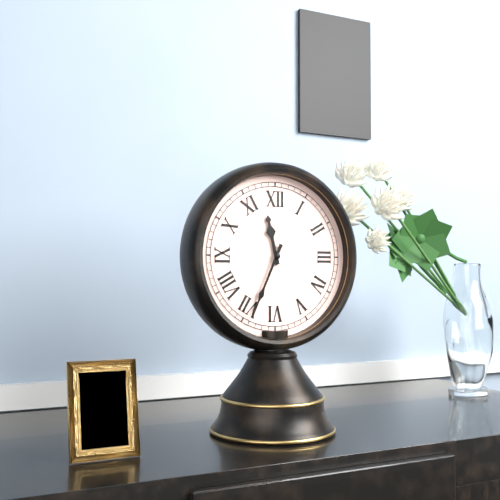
11:34
